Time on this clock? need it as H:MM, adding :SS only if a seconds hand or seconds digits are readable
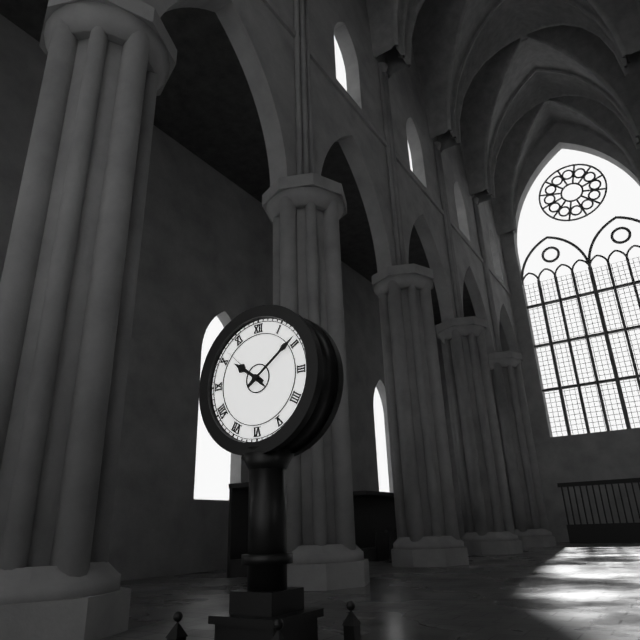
10:09:52
